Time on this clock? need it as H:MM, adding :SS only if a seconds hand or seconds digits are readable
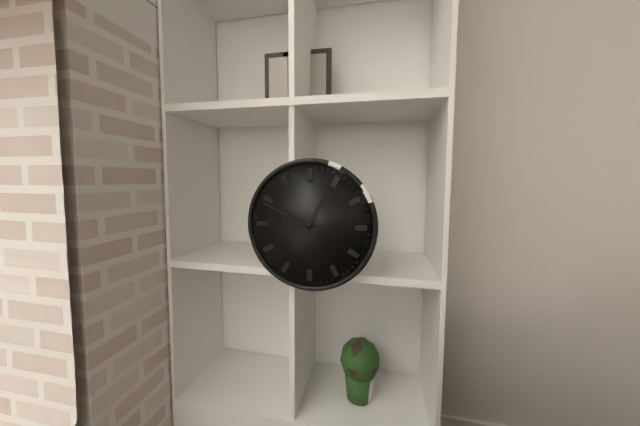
12:49
